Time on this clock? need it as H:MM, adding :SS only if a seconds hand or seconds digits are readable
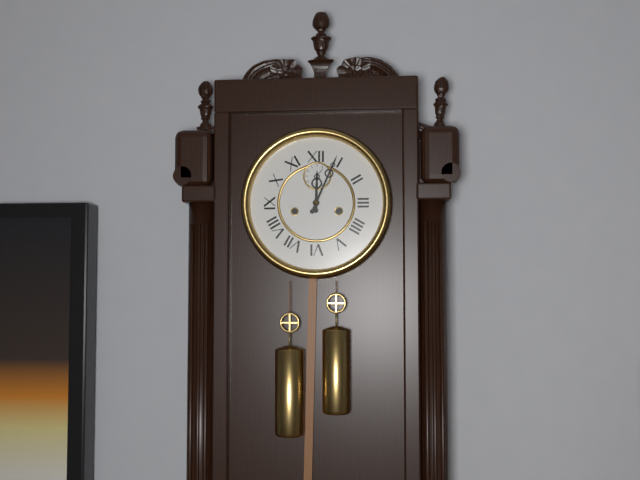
12:04
